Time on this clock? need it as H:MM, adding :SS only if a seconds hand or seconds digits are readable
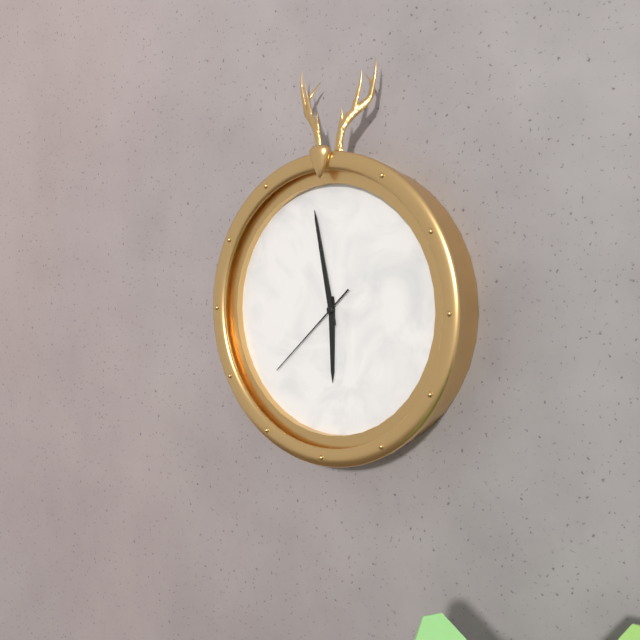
5:58:38
